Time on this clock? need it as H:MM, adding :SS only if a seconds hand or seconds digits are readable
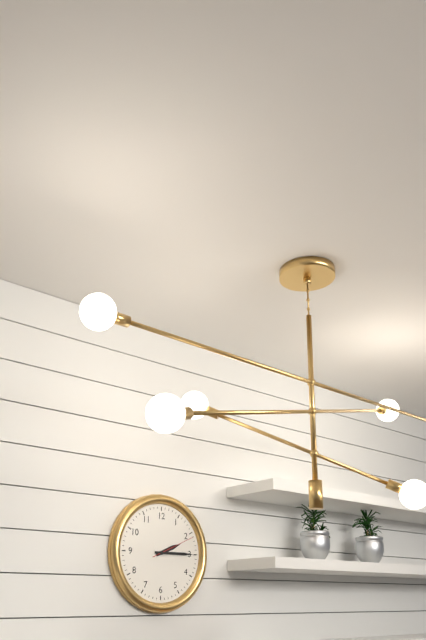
2:15
